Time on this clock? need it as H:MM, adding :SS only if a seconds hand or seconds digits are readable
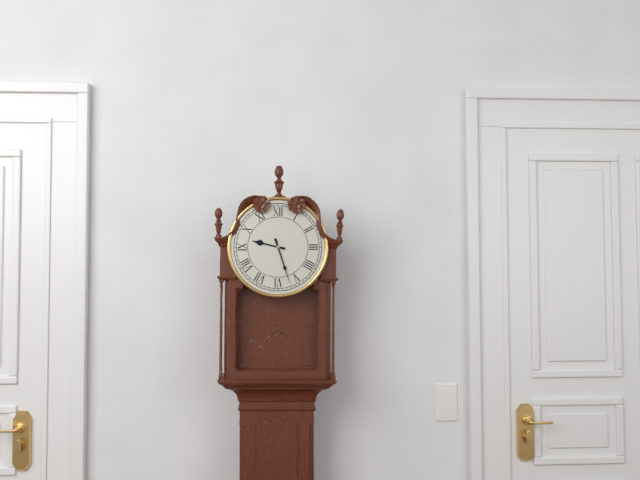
9:27
